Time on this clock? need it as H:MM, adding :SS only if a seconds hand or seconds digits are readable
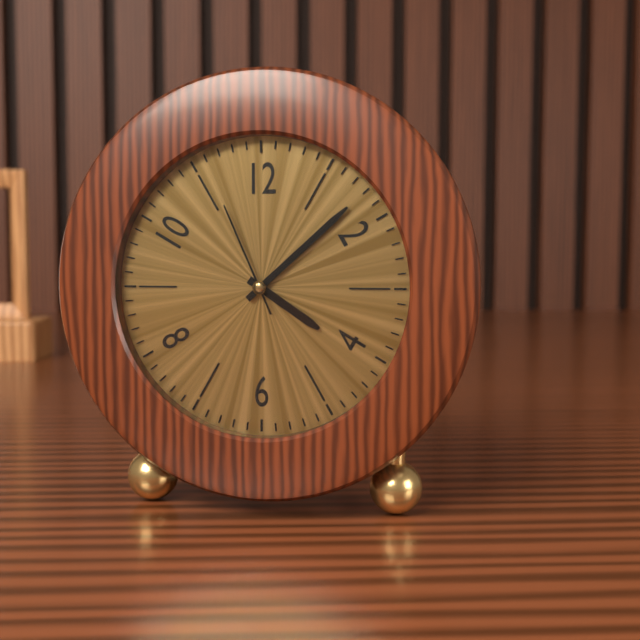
4:08:56
